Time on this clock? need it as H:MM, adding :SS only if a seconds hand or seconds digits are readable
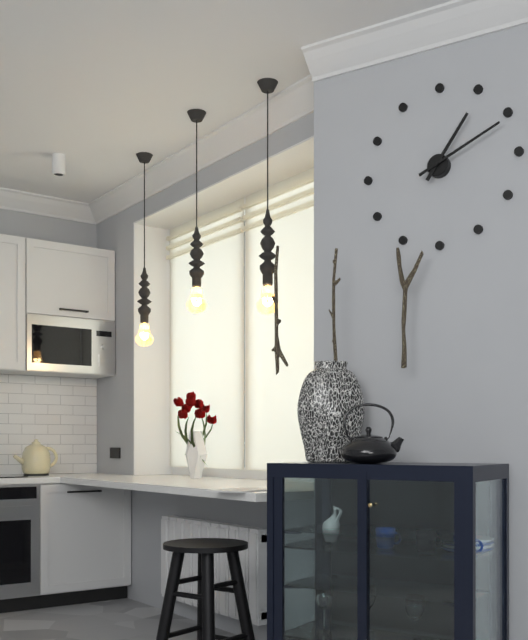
1:11
